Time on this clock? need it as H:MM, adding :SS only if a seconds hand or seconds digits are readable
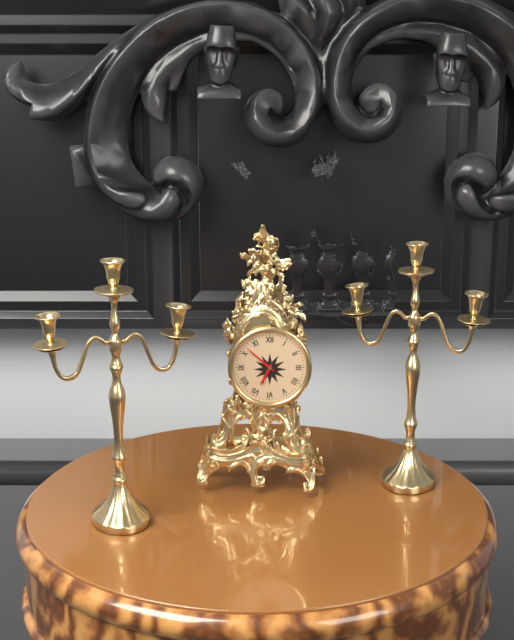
6:52
